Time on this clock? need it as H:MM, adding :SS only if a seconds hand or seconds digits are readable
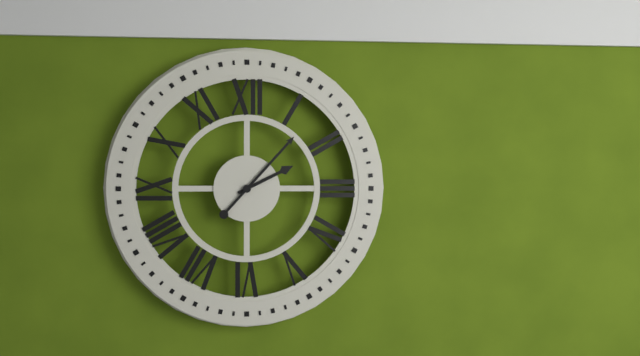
2:07
